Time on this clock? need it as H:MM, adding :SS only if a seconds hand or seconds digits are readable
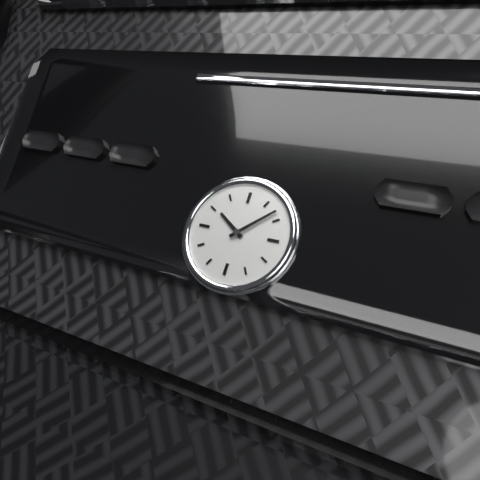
10:08
